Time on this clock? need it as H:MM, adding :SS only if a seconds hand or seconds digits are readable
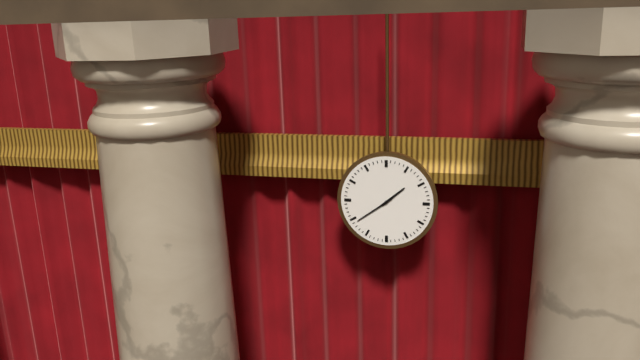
1:39
